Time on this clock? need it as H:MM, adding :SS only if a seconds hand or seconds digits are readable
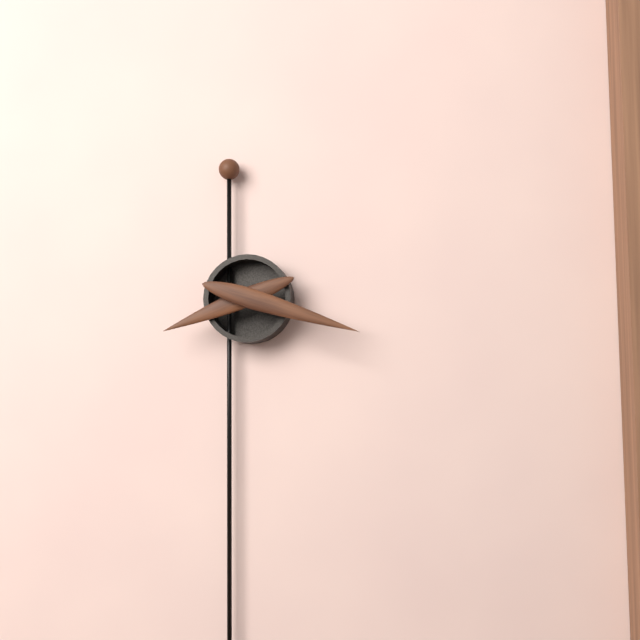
8:18
